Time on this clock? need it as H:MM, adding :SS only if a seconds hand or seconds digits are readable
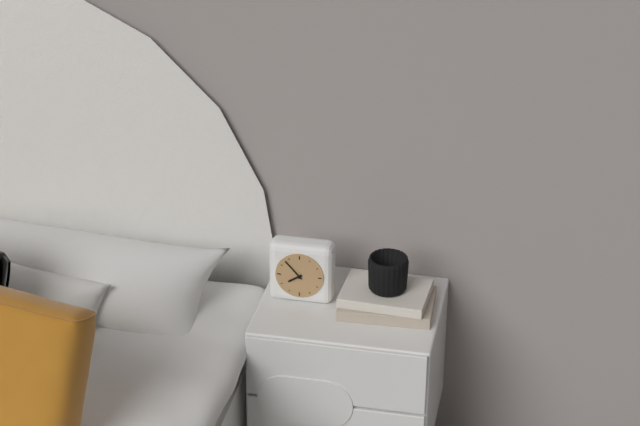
7:53
